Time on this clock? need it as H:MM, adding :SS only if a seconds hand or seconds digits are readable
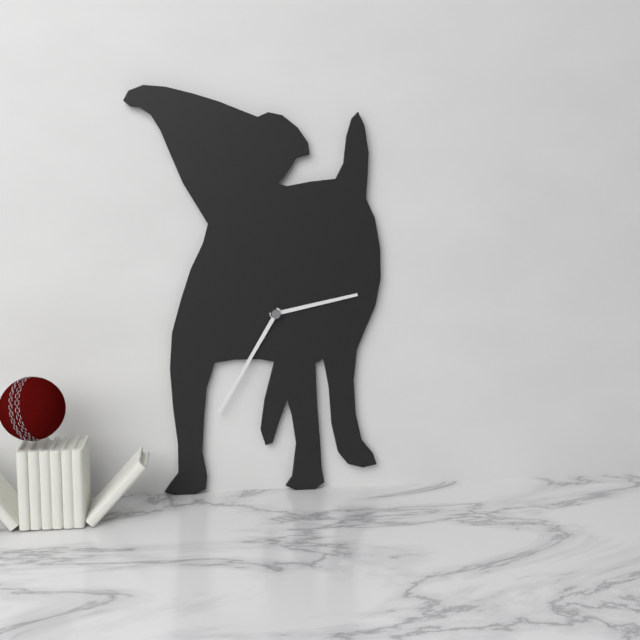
2:35
